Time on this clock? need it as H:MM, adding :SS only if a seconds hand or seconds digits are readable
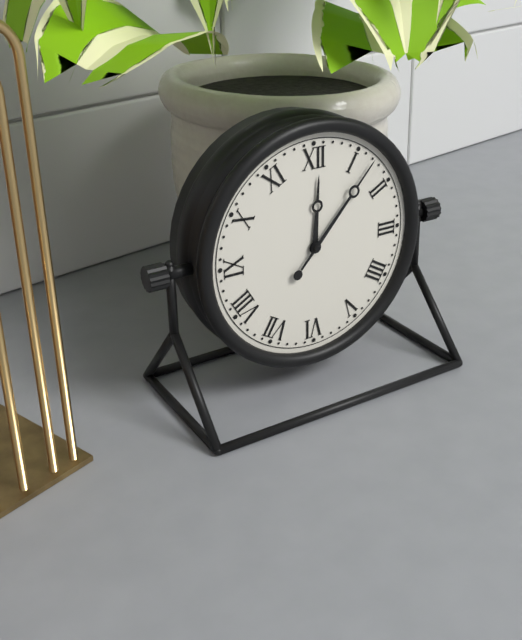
12:07
